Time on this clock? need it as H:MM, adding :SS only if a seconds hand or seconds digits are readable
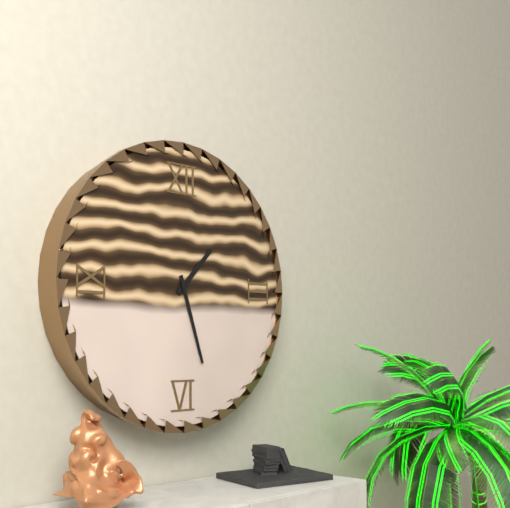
1:27
